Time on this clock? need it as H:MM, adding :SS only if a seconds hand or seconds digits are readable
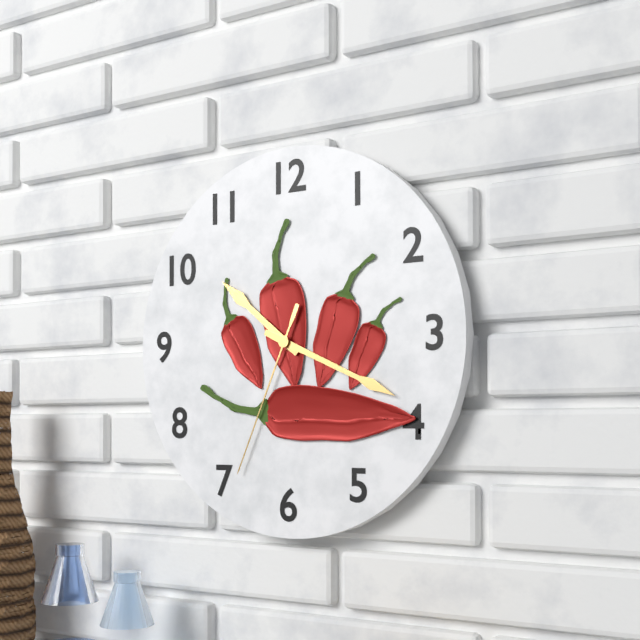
10:19:34
